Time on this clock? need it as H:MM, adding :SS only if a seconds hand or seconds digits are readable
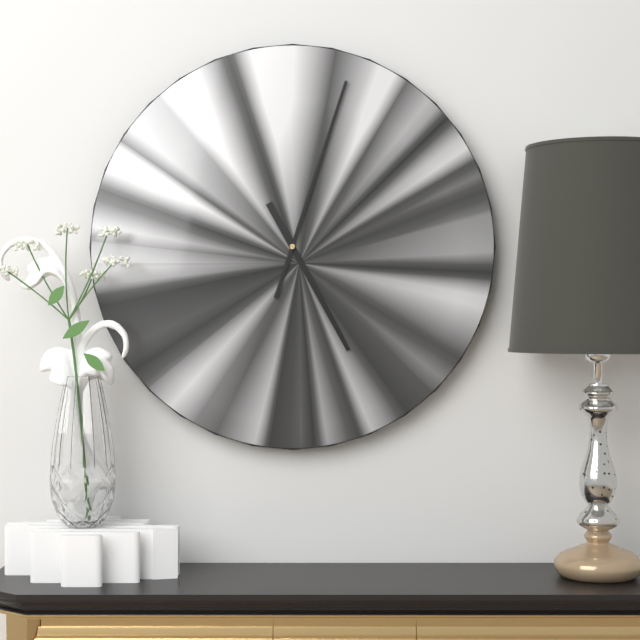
5:03
